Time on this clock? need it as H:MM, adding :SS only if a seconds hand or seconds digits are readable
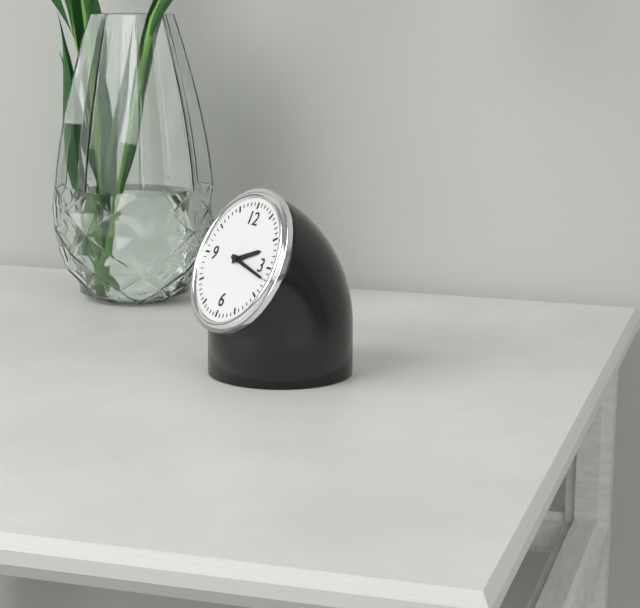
2:17
